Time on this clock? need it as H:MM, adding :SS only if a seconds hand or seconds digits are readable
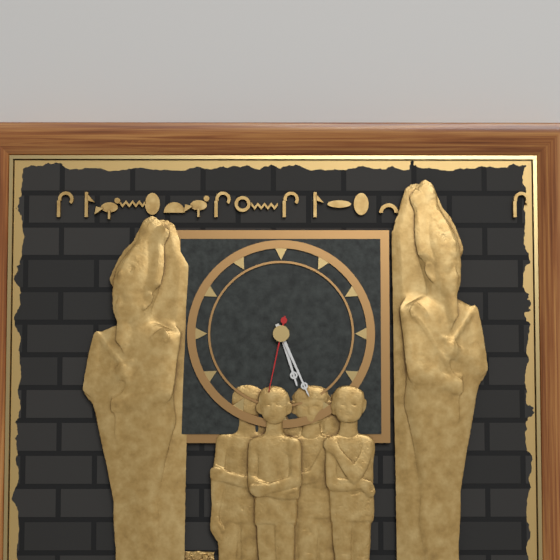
5:26:32
